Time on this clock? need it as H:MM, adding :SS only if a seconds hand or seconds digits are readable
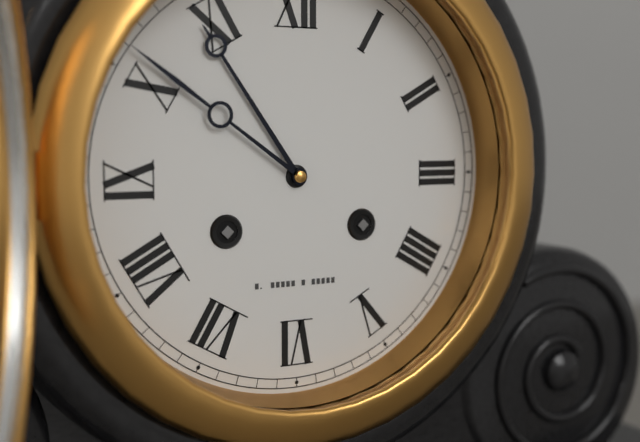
10:51
